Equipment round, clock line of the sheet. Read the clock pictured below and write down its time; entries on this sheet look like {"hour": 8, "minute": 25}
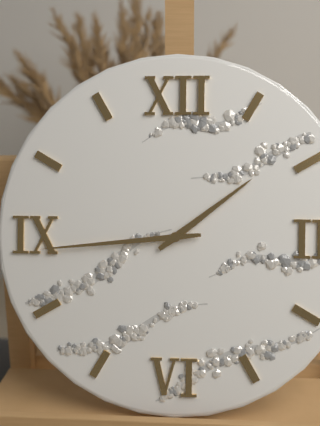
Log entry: {"hour": 1, "minute": 44}
